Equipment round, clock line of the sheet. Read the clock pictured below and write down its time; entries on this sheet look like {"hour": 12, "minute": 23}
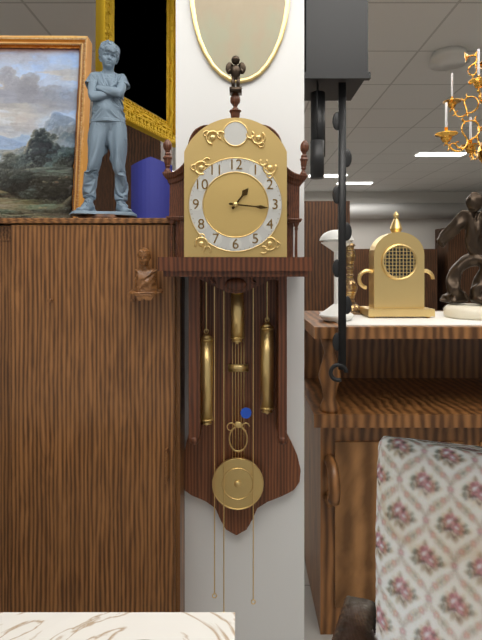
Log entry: {"hour": 1, "minute": 16}
